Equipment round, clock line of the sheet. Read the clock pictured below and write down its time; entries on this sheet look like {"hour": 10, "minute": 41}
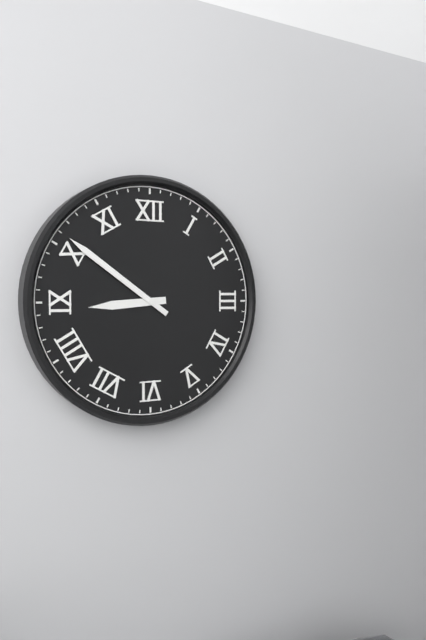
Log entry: {"hour": 8, "minute": 51}
